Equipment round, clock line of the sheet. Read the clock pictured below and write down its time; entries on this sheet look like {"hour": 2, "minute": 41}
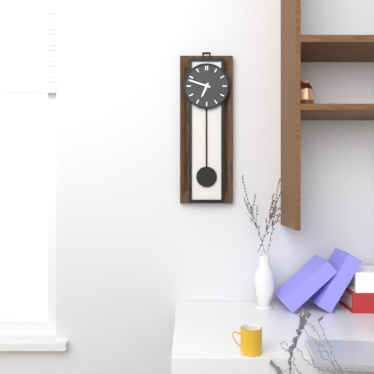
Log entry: {"hour": 6, "minute": 48}
